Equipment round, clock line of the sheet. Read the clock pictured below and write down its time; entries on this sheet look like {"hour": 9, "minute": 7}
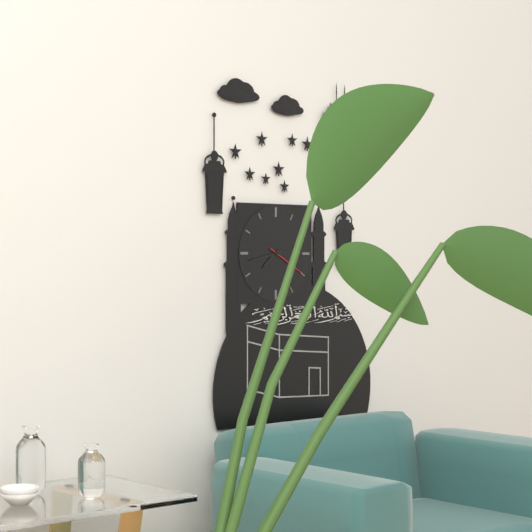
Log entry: {"hour": 7, "minute": 43}
